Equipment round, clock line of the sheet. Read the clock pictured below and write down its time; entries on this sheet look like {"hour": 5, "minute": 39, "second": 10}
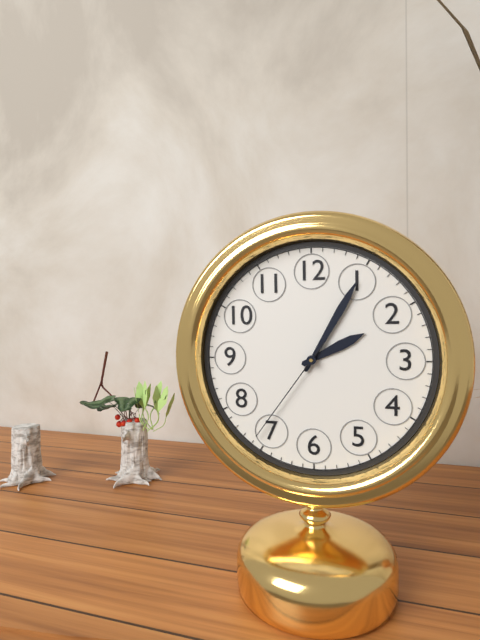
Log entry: {"hour": 2, "minute": 5, "second": 36}
